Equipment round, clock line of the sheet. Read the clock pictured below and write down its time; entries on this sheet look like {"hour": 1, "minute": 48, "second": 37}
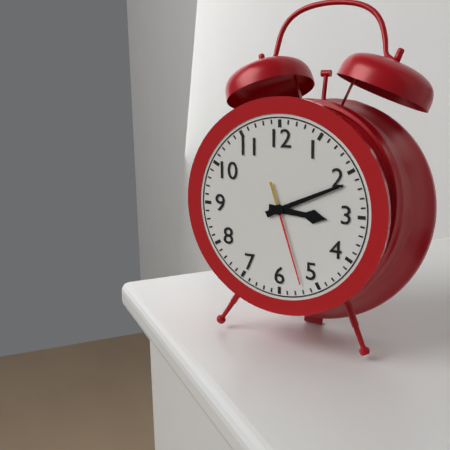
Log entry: {"hour": 3, "minute": 11, "second": 27}
